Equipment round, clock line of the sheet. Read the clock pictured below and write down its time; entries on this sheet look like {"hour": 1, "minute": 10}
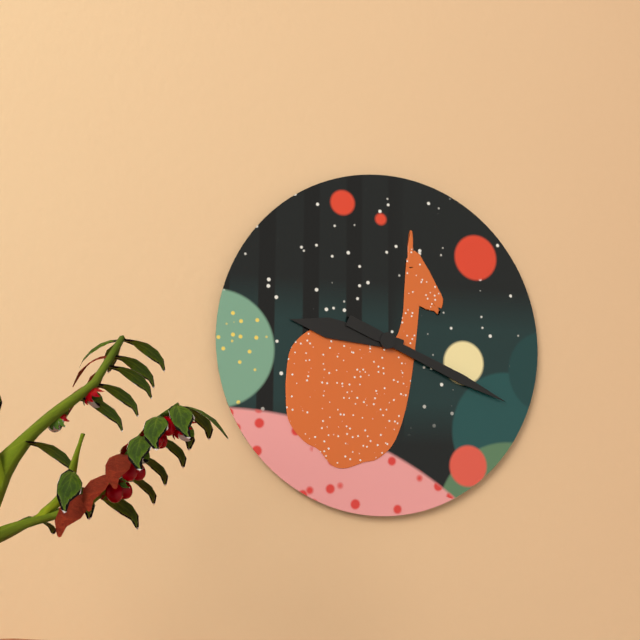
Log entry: {"hour": 9, "minute": 19}
